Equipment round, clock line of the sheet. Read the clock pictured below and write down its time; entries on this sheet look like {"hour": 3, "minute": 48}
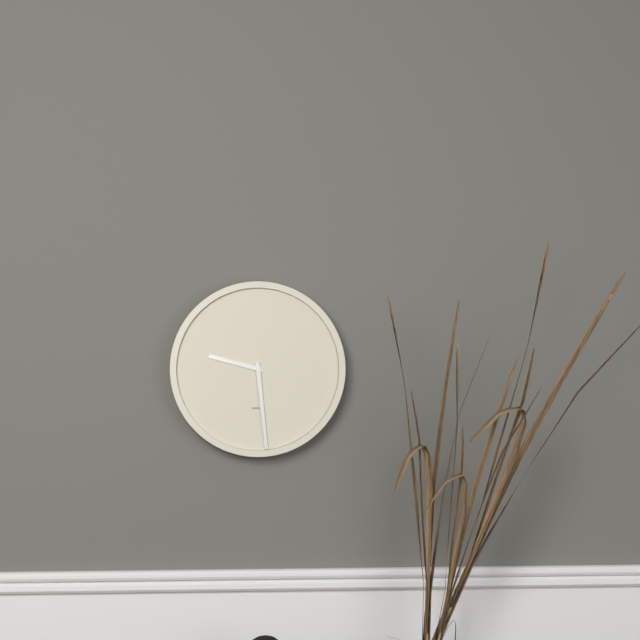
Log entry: {"hour": 9, "minute": 29}
